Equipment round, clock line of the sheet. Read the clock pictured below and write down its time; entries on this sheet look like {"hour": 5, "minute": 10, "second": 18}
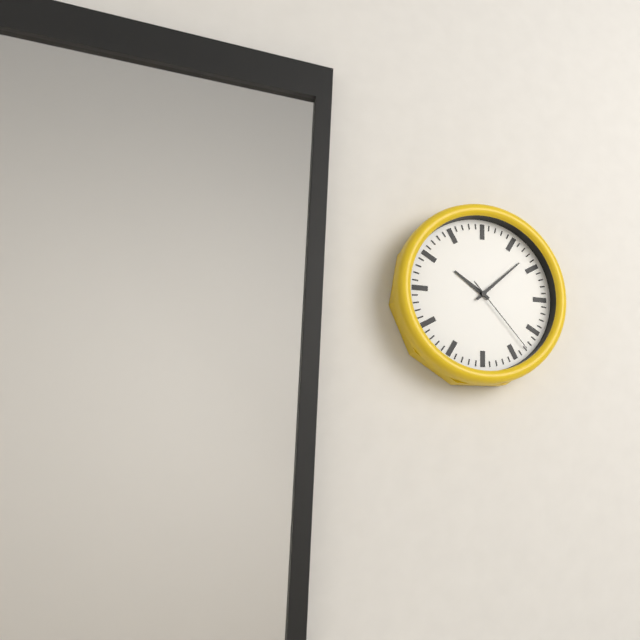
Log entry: {"hour": 10, "minute": 8, "second": 23}
